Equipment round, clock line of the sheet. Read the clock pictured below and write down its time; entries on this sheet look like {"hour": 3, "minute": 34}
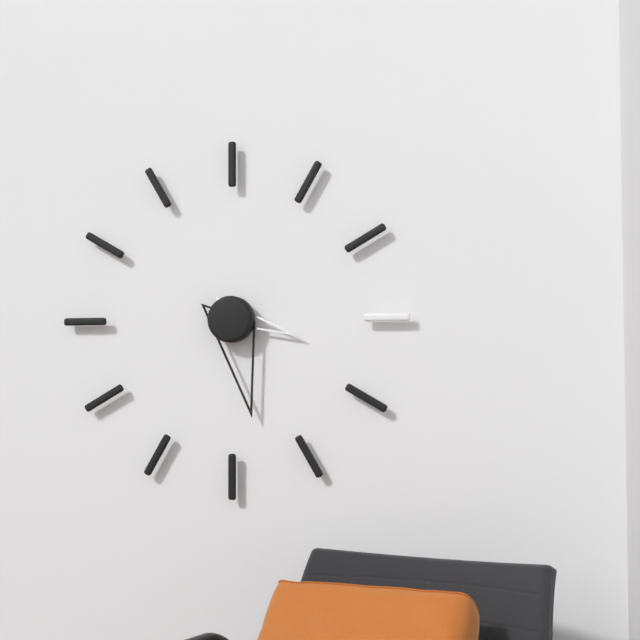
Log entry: {"hour": 3, "minute": 28}
